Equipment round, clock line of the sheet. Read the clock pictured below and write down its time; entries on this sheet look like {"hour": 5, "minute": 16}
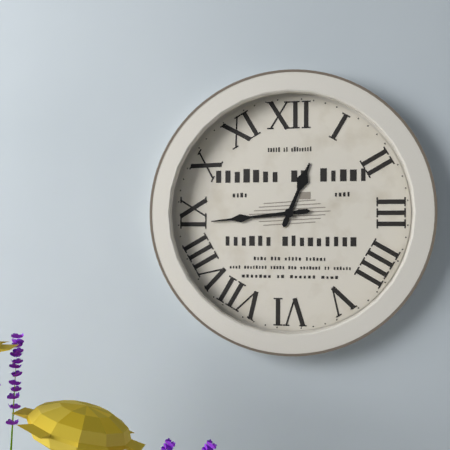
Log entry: {"hour": 12, "minute": 44}
